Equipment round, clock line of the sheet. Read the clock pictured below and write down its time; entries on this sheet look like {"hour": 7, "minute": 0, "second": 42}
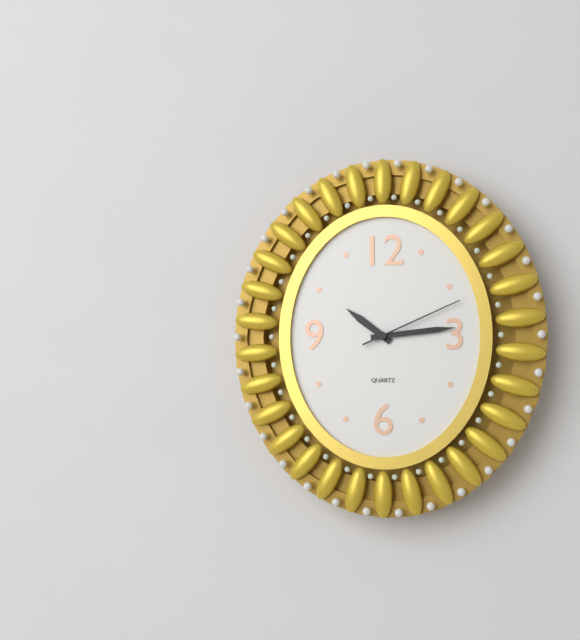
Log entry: {"hour": 10, "minute": 14, "second": 11}
